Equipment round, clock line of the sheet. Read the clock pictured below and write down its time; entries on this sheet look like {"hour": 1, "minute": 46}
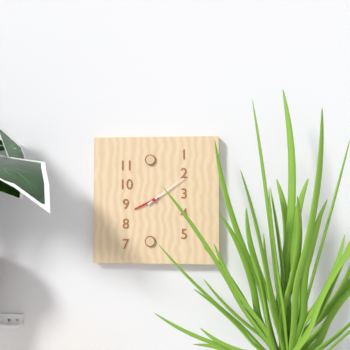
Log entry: {"hour": 8, "minute": 9}
